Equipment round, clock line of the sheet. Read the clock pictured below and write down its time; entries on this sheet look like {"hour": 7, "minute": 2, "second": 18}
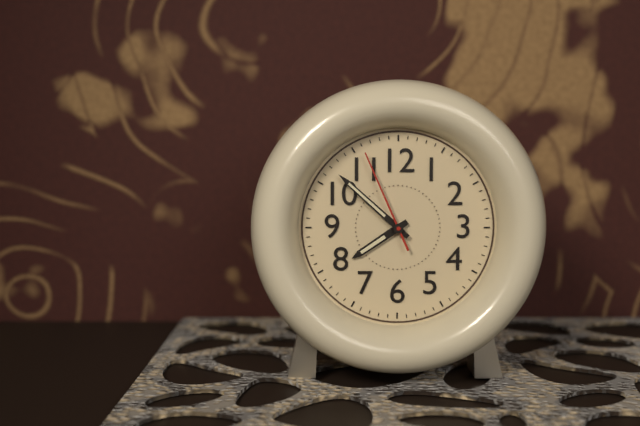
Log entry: {"hour": 7, "minute": 52, "second": 56}
